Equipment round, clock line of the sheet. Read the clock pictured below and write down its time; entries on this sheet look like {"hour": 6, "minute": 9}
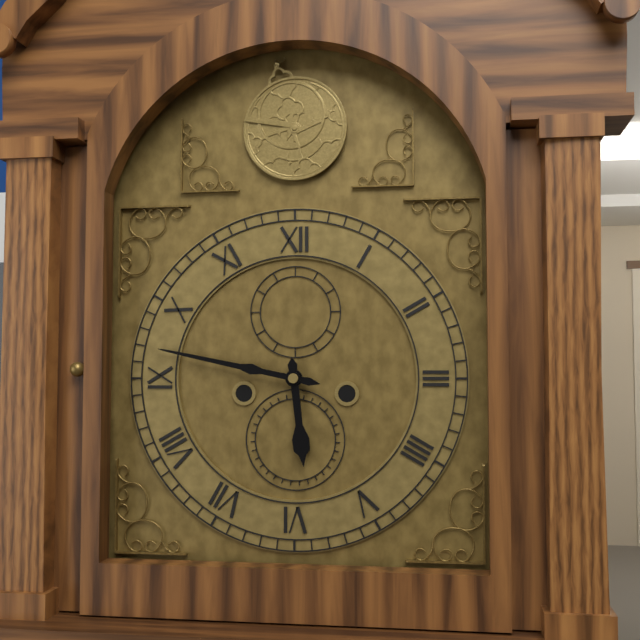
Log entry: {"hour": 5, "minute": 47}
